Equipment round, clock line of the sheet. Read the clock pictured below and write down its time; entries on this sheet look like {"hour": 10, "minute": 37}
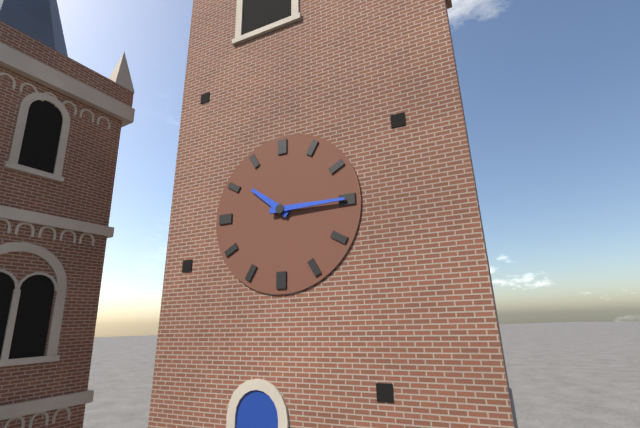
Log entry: {"hour": 10, "minute": 15}
